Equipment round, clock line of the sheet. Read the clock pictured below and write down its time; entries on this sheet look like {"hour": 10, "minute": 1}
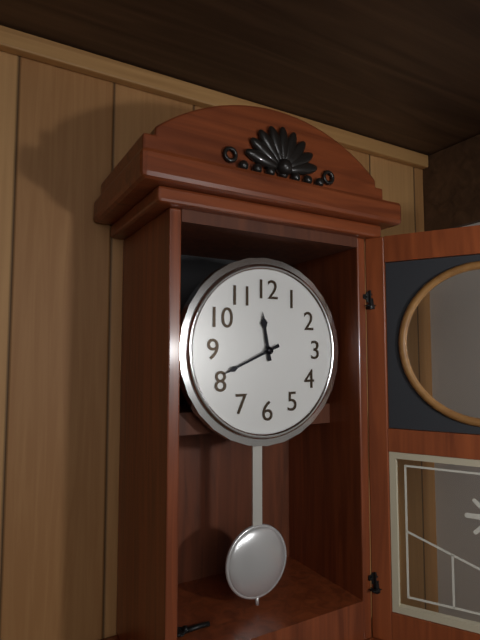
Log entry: {"hour": 11, "minute": 41}
